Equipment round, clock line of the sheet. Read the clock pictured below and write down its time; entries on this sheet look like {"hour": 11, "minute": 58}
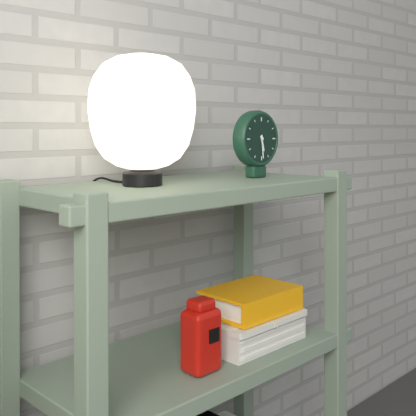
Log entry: {"hour": 5, "minute": 29}
